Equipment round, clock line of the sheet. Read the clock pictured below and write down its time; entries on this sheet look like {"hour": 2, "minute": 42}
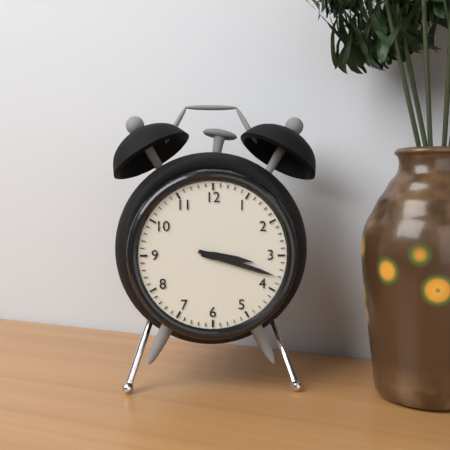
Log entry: {"hour": 3, "minute": 18}
